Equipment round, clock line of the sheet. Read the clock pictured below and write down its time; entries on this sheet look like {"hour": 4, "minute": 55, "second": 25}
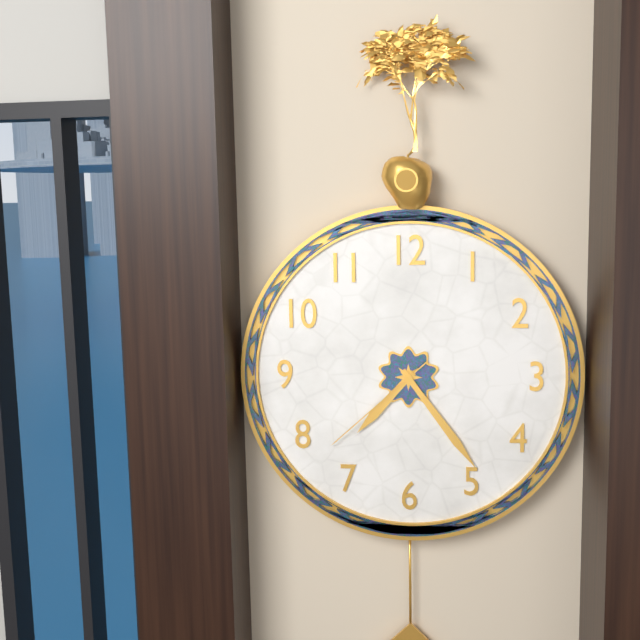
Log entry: {"hour": 7, "minute": 24, "second": 38}
